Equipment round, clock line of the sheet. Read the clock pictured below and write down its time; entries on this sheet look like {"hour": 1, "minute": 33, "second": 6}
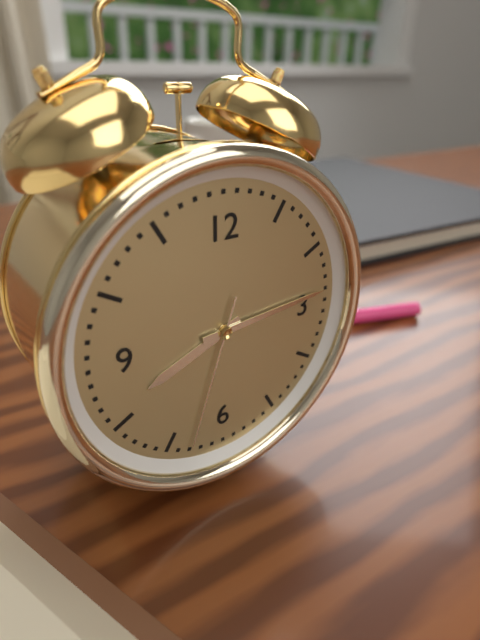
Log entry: {"hour": 8, "minute": 14, "second": 33}
